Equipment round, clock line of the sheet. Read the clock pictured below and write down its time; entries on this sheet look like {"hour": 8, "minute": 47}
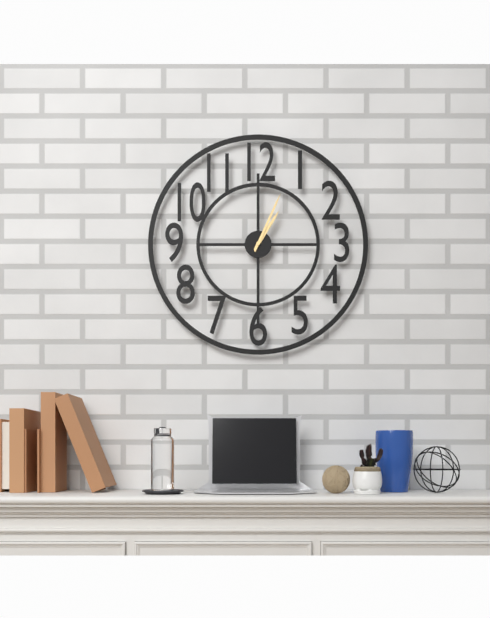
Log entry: {"hour": 1, "minute": 4}
